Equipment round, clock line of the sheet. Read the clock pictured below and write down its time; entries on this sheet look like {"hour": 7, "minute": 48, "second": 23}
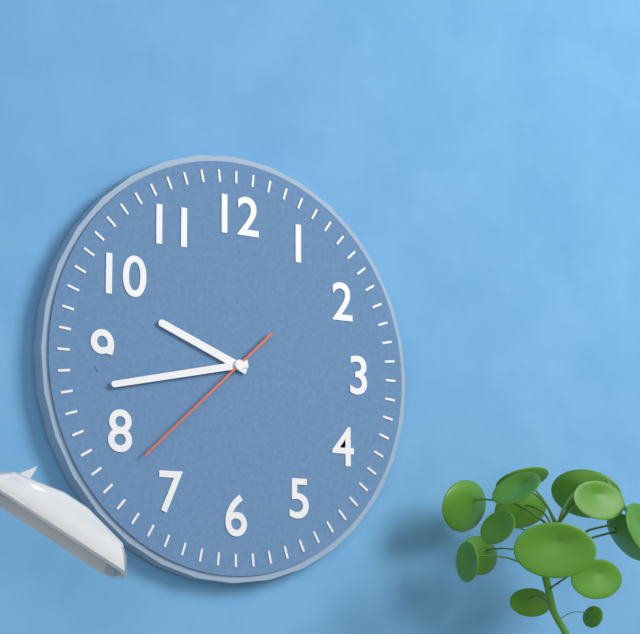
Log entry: {"hour": 9, "minute": 43, "second": 38}
